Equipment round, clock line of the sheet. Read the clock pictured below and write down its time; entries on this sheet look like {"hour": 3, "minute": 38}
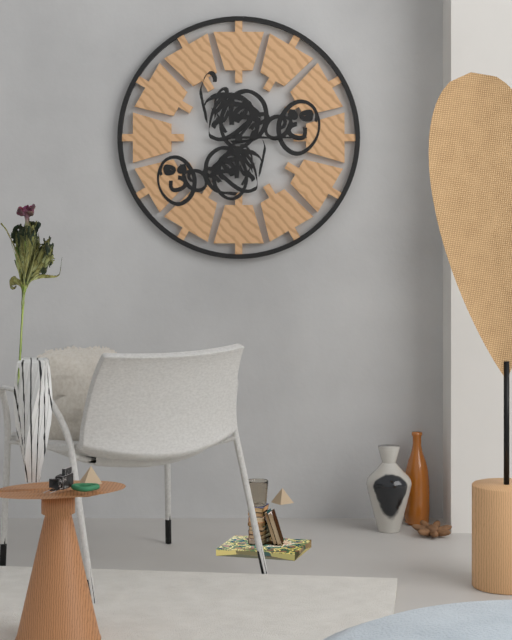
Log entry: {"hour": 7, "minute": 15}
